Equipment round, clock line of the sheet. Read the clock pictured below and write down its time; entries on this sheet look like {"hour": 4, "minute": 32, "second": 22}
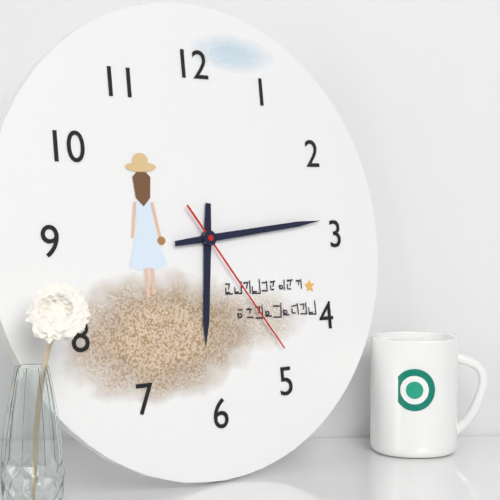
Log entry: {"hour": 6, "minute": 14, "second": 24}
